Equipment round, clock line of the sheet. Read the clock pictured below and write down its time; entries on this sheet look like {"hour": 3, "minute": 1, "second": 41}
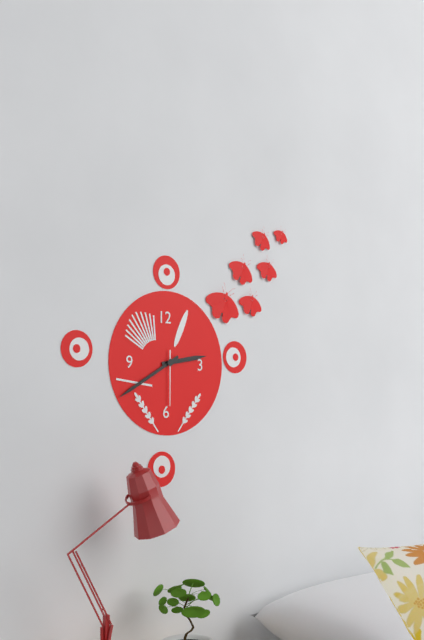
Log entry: {"hour": 2, "minute": 40, "second": 30}
